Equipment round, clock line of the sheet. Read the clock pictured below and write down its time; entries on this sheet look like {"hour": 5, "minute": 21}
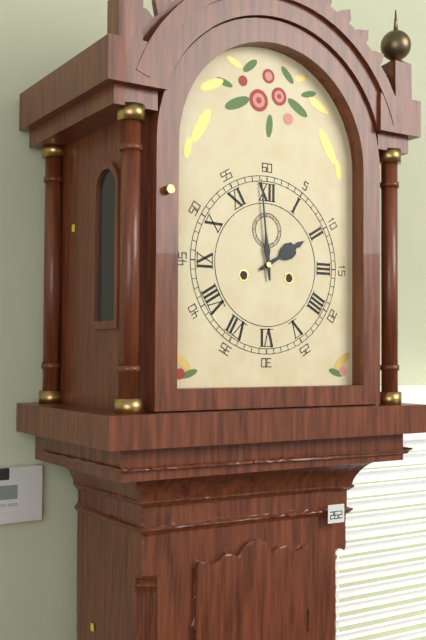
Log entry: {"hour": 1, "minute": 59}
